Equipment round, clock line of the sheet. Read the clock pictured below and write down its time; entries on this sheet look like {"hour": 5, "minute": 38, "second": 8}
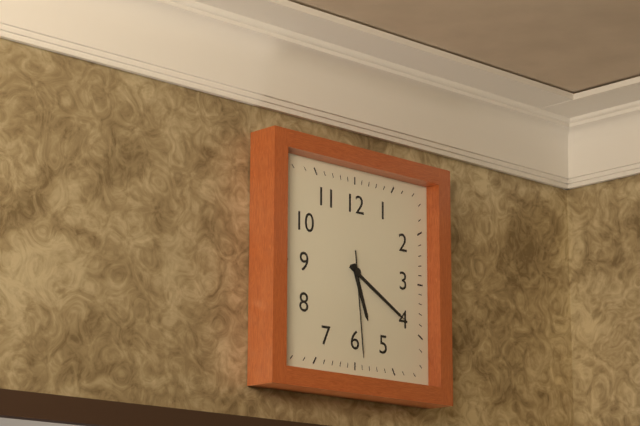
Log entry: {"hour": 5, "minute": 20, "second": 29}
